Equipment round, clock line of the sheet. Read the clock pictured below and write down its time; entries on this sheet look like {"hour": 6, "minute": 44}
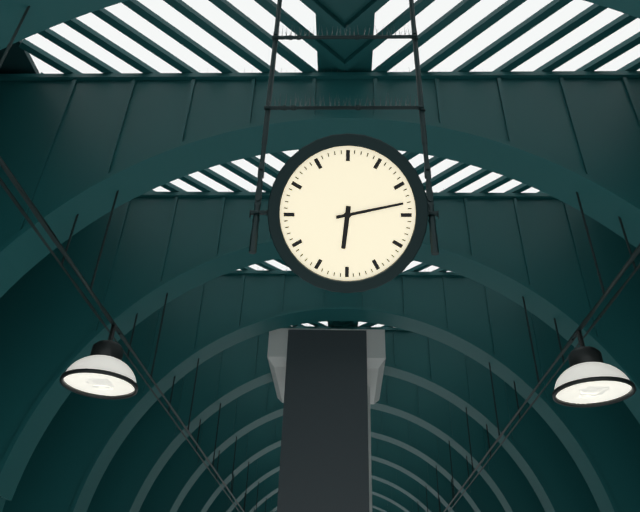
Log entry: {"hour": 6, "minute": 13}
